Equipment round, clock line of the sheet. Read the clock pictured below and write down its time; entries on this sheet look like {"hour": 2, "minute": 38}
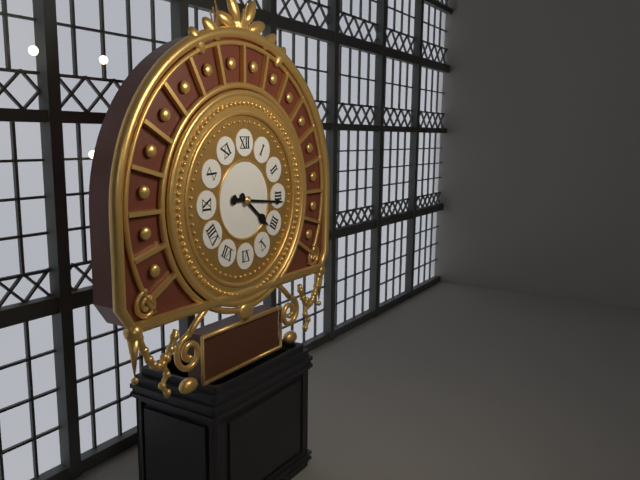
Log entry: {"hour": 4, "minute": 16}
